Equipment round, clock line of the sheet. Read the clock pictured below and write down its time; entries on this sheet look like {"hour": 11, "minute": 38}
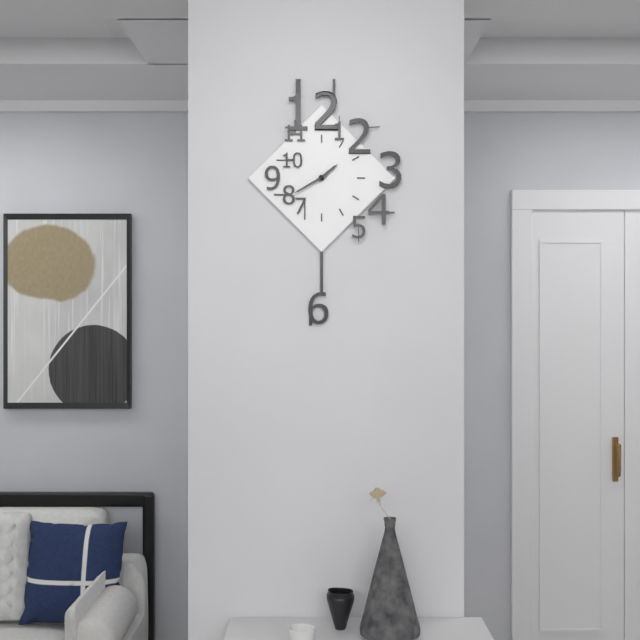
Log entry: {"hour": 1, "minute": 40}
